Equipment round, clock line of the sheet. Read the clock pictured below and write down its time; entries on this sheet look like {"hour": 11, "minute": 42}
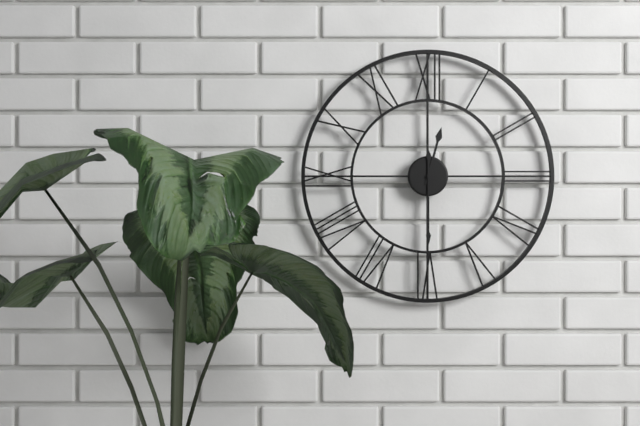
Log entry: {"hour": 12, "minute": 30}
